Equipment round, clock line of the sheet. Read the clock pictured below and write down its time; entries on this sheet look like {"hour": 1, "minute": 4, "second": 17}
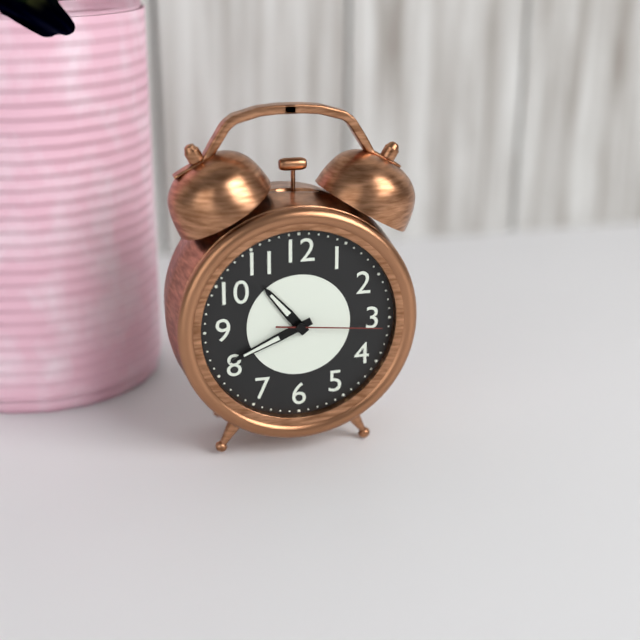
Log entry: {"hour": 10, "minute": 41, "second": 16}
